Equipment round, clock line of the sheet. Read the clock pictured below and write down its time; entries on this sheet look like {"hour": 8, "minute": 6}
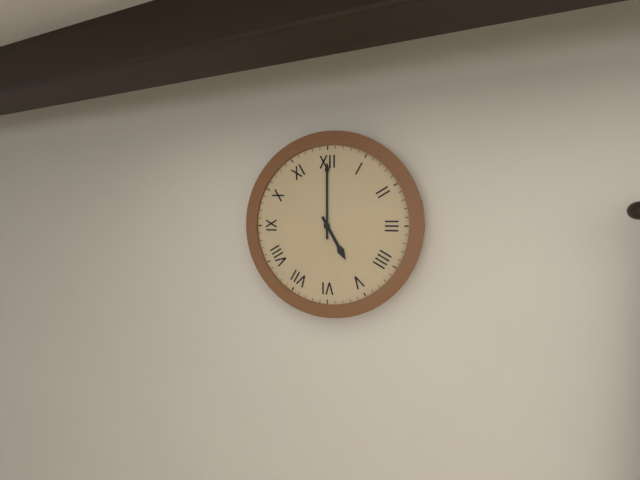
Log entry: {"hour": 5, "minute": 0}
